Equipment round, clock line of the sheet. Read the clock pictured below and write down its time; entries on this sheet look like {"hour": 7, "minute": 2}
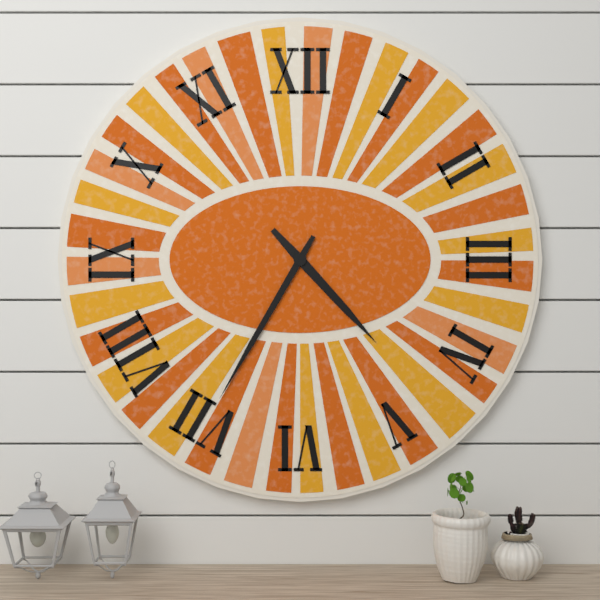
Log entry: {"hour": 4, "minute": 35}
